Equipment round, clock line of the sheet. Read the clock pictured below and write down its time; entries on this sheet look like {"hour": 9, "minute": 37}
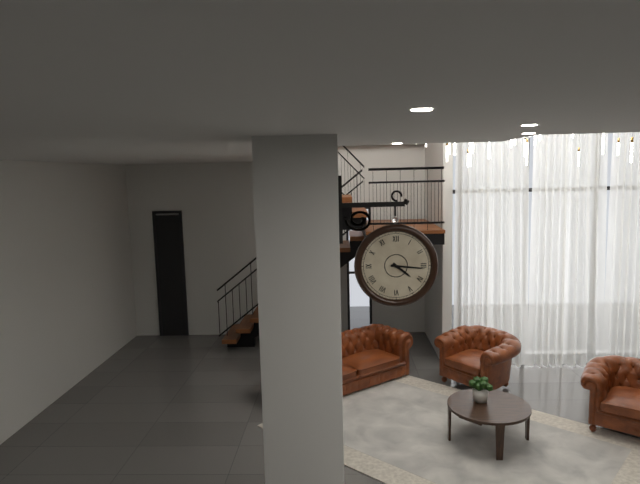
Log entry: {"hour": 4, "minute": 16}
